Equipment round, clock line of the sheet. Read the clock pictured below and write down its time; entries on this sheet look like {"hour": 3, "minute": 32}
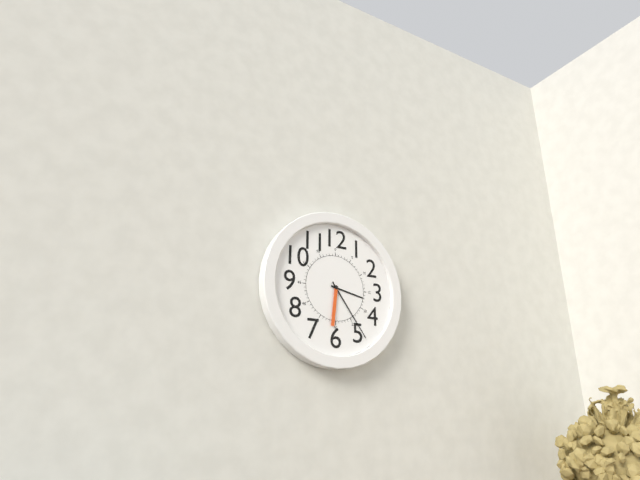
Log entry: {"hour": 3, "minute": 24}
